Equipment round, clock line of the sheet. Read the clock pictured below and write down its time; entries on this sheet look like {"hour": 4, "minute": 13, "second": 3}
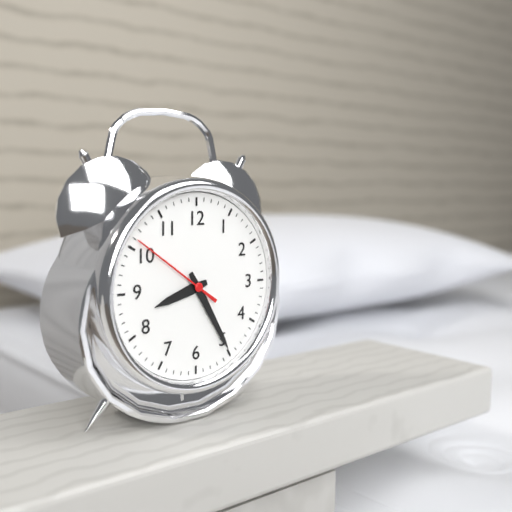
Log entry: {"hour": 8, "minute": 25, "second": 51}
